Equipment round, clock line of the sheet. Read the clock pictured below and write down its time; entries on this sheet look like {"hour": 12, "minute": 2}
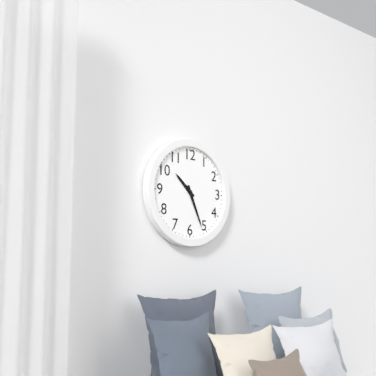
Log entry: {"hour": 10, "minute": 26}
